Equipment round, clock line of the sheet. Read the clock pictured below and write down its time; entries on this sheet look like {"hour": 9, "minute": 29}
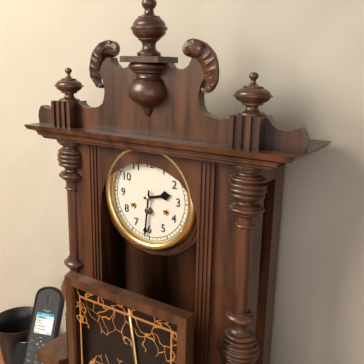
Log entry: {"hour": 2, "minute": 31}
